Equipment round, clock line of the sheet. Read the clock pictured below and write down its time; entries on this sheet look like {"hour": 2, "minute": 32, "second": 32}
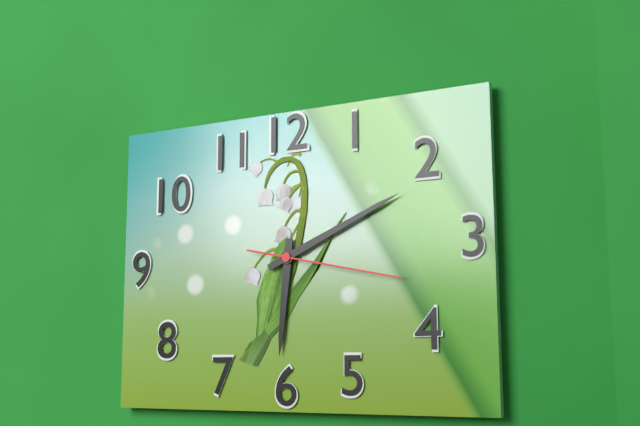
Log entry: {"hour": 6, "minute": 11, "second": 17}
